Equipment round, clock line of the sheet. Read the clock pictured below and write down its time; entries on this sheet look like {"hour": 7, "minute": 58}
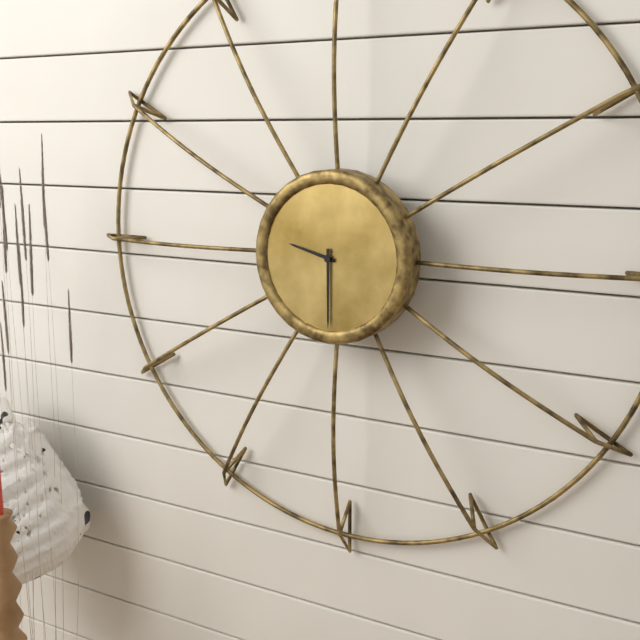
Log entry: {"hour": 9, "minute": 30}
